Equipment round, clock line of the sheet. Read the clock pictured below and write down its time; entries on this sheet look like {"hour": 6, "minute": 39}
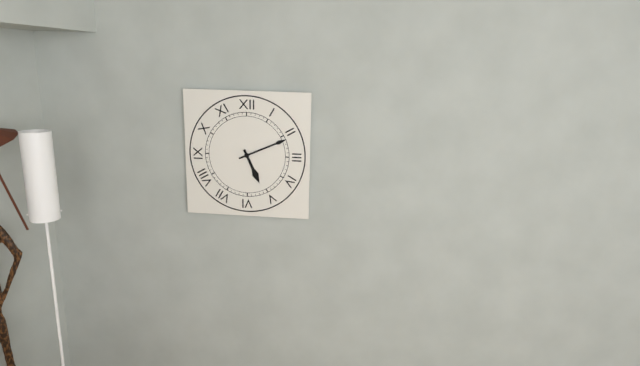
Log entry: {"hour": 5, "minute": 11}
